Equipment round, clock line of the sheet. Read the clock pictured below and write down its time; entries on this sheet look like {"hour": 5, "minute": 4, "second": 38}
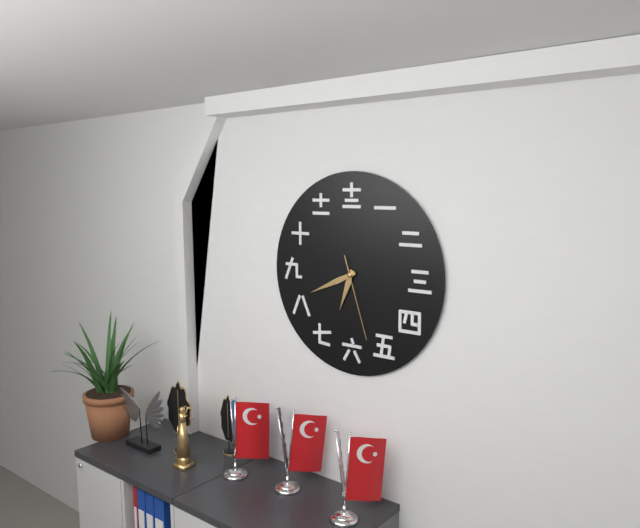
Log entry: {"hour": 6, "minute": 41, "second": 27}
